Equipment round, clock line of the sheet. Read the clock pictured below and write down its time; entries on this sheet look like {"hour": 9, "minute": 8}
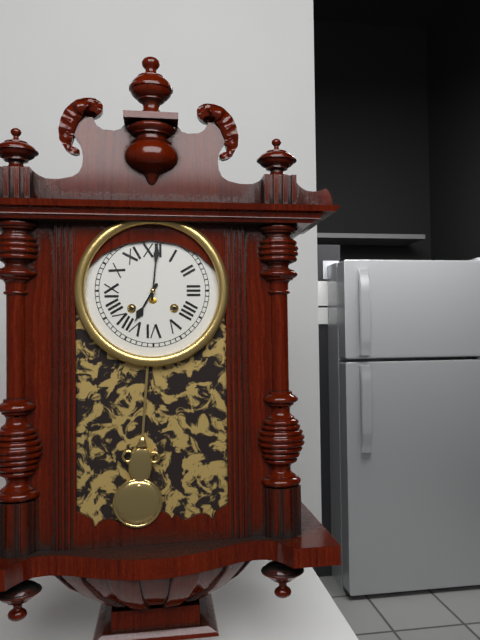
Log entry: {"hour": 7, "minute": 1}
